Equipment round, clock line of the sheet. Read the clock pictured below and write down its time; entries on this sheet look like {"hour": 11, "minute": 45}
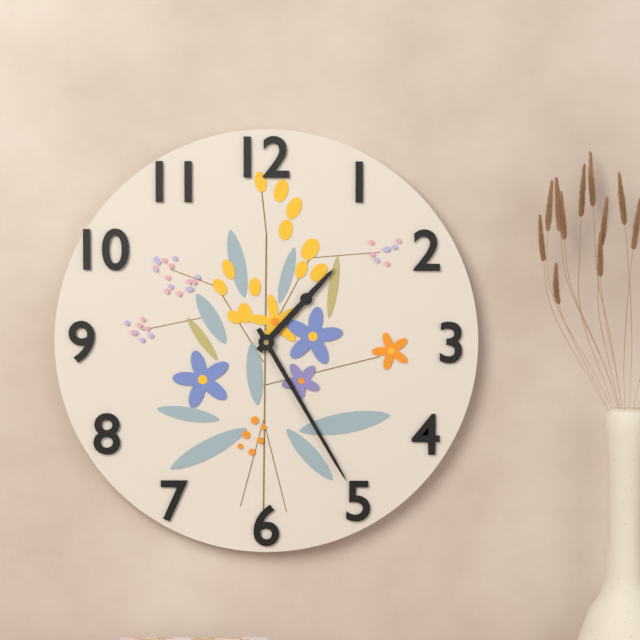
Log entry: {"hour": 1, "minute": 25}
